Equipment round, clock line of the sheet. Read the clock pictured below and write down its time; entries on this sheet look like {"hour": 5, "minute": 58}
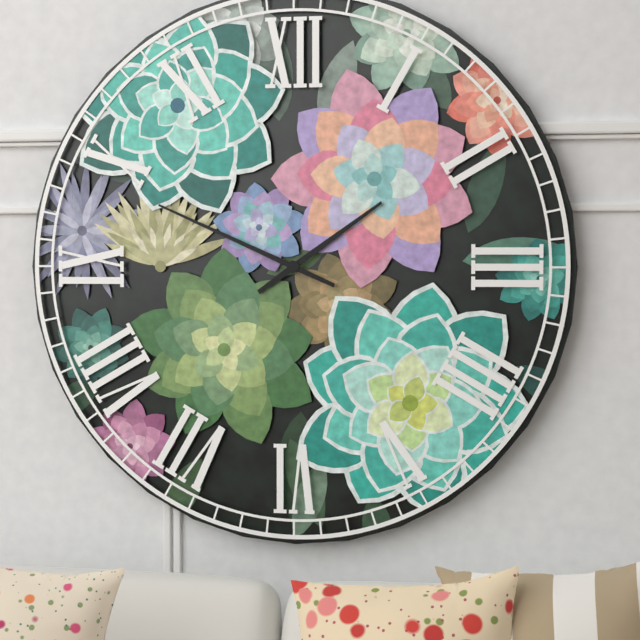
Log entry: {"hour": 1, "minute": 49}
